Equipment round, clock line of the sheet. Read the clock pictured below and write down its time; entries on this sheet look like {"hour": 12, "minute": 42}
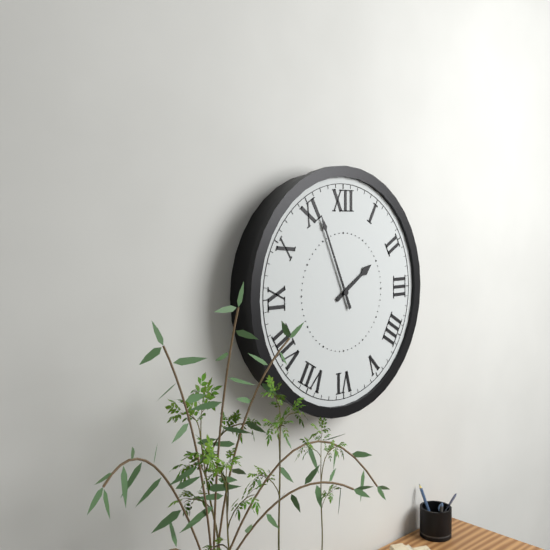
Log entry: {"hour": 1, "minute": 56}
